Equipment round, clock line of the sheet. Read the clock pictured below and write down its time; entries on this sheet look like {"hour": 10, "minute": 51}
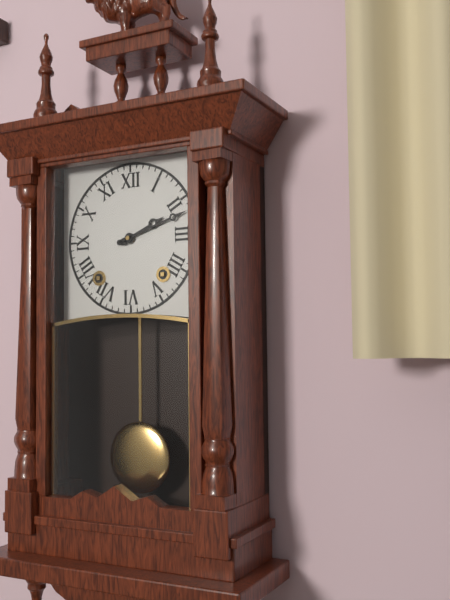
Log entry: {"hour": 2, "minute": 12}
